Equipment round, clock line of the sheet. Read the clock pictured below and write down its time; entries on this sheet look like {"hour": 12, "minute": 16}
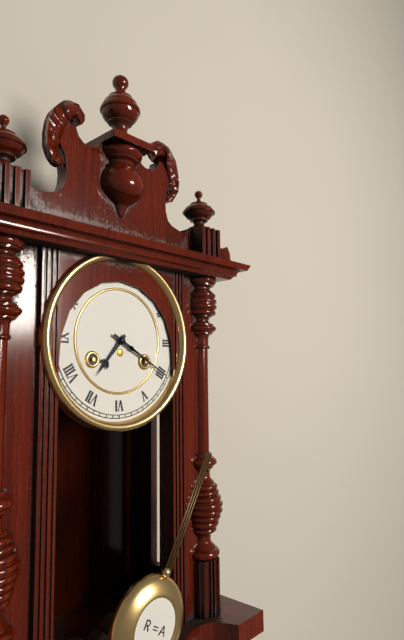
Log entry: {"hour": 7, "minute": 20}
